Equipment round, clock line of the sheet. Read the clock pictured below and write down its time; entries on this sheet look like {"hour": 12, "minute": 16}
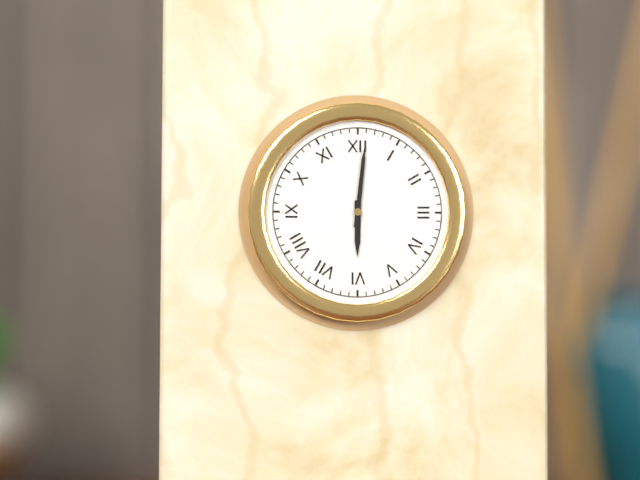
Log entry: {"hour": 6, "minute": 1}
